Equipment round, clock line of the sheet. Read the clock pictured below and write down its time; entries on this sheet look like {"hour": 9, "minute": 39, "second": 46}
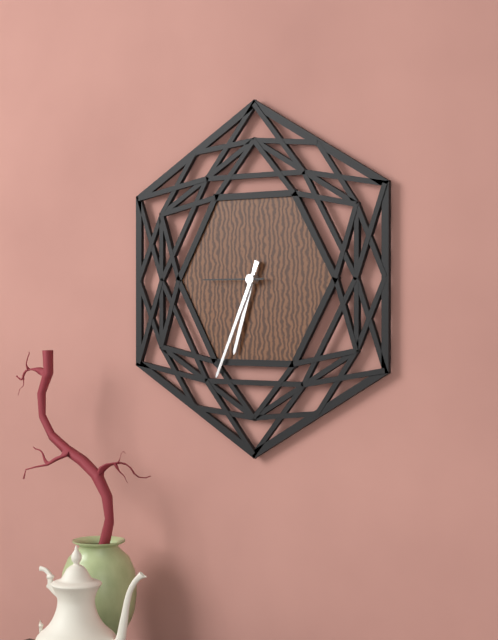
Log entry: {"hour": 6, "minute": 34, "second": 45}
